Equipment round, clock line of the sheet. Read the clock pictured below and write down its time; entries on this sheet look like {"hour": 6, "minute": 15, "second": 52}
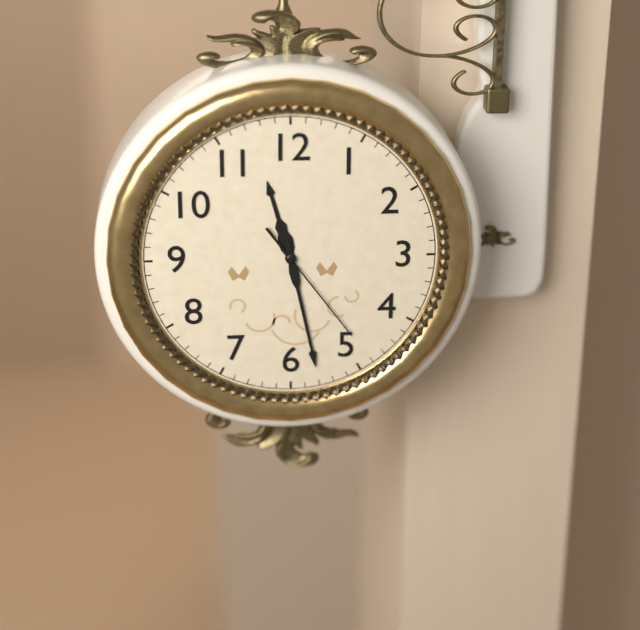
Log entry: {"hour": 11, "minute": 28, "second": 24}
